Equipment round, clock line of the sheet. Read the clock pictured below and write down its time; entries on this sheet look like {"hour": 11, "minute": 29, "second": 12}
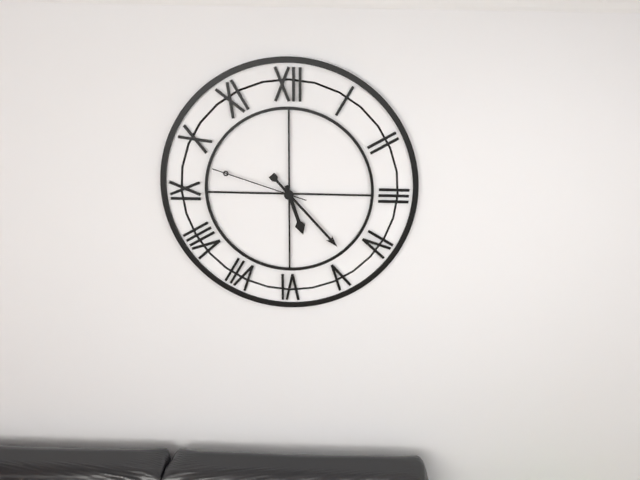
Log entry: {"hour": 5, "minute": 23, "second": 48}
